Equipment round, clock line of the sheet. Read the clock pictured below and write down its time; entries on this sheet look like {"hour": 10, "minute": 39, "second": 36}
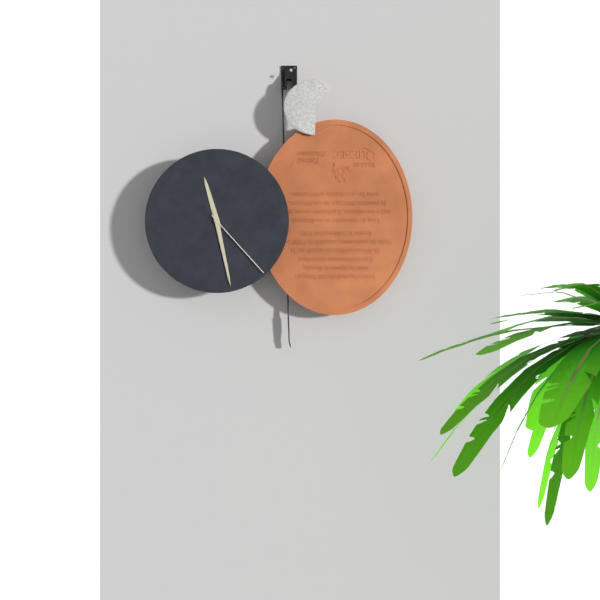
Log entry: {"hour": 11, "minute": 28, "second": 23}
